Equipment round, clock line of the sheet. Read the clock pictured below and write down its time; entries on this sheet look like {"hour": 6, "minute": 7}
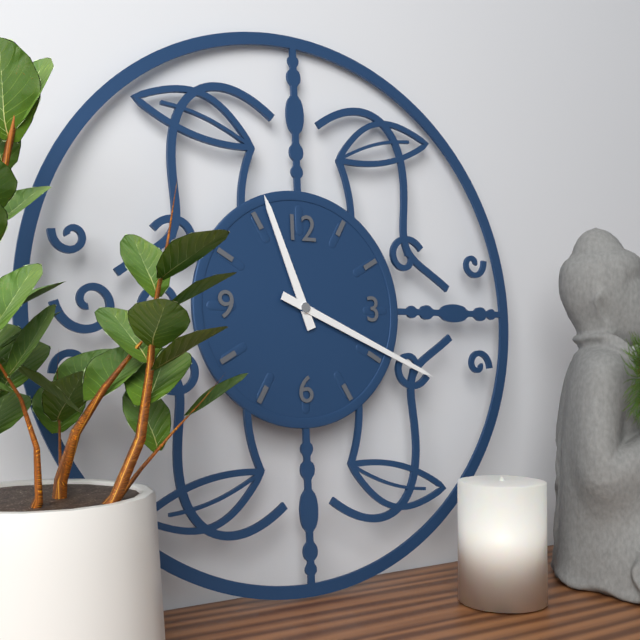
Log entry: {"hour": 11, "minute": 19}
